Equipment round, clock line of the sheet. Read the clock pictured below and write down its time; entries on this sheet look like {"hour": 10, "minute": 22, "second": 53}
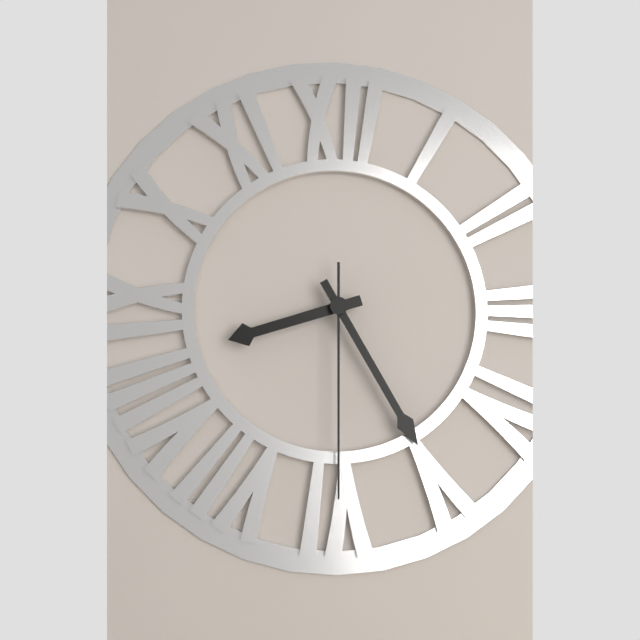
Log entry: {"hour": 8, "minute": 25, "second": 30}
